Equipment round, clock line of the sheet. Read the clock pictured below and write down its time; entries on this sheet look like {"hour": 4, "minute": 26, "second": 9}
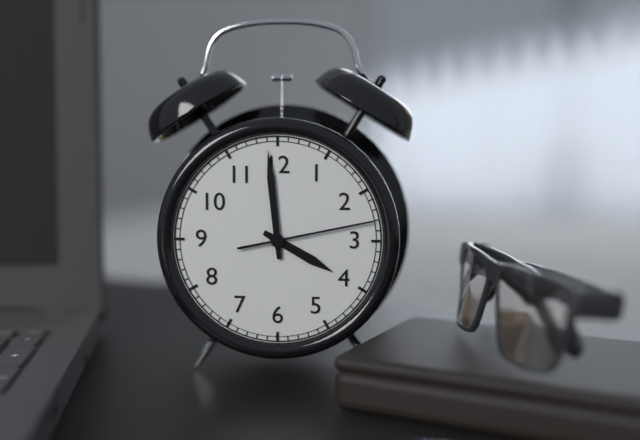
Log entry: {"hour": 3, "minute": 59, "second": 13}
